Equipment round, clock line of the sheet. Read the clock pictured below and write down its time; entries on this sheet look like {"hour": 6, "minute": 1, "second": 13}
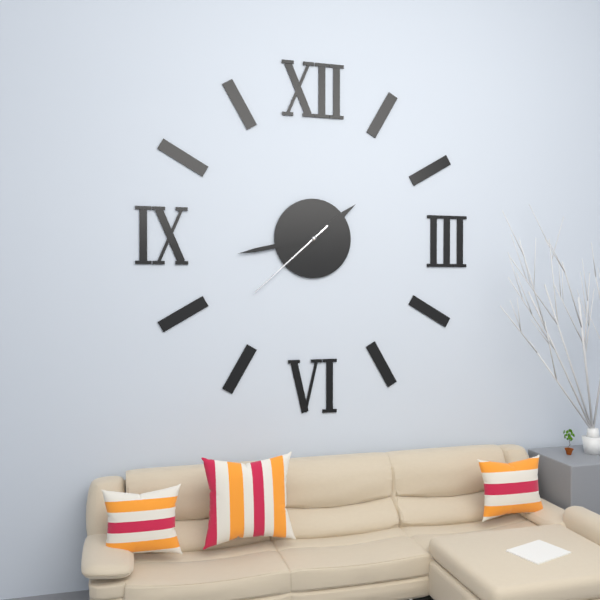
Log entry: {"hour": 1, "minute": 43, "second": 38}
